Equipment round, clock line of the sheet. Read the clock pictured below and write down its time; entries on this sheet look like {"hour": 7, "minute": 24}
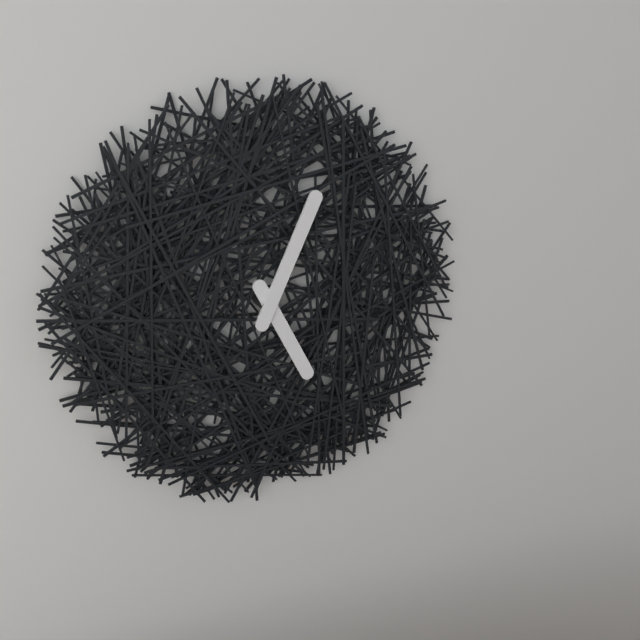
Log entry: {"hour": 5, "minute": 4}
